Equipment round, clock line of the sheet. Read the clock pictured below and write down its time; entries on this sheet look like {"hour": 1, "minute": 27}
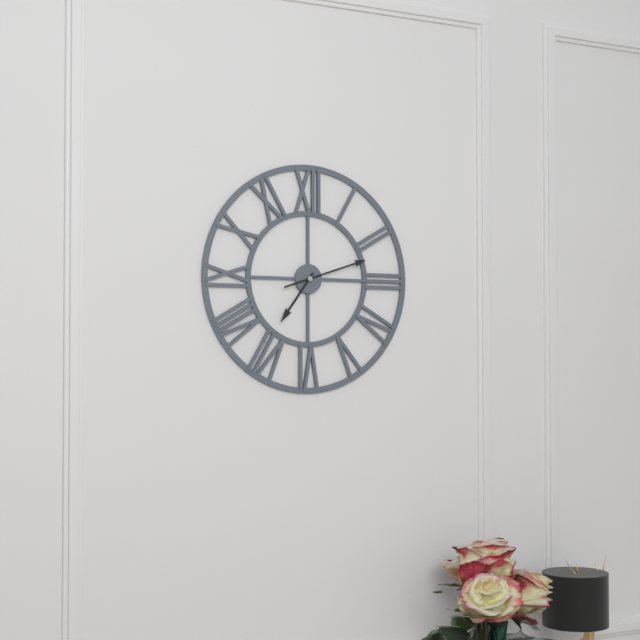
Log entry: {"hour": 7, "minute": 12}
